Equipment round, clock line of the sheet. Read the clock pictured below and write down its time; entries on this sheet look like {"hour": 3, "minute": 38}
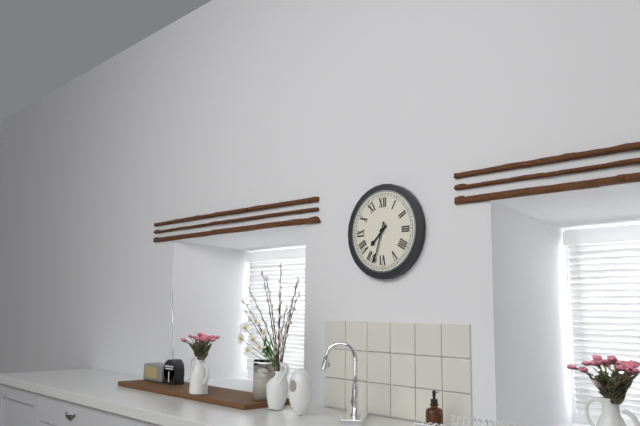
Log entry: {"hour": 7, "minute": 33}
